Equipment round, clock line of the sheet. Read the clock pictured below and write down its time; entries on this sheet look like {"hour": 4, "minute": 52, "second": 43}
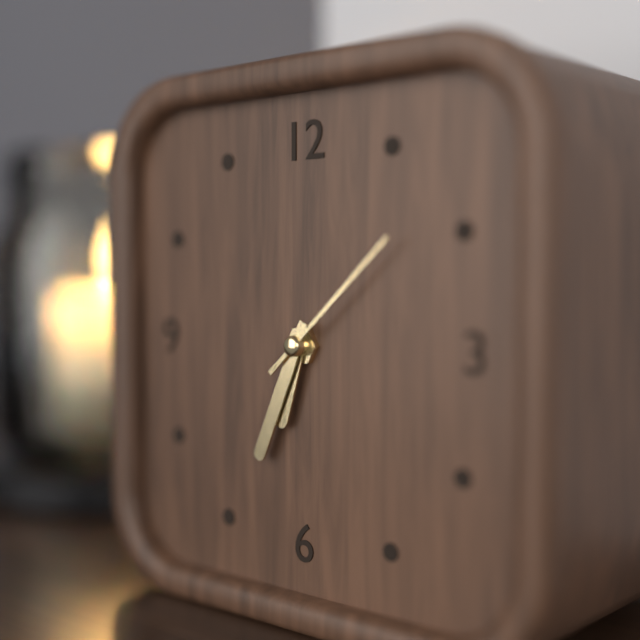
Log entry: {"hour": 6, "minute": 34, "second": 8}
